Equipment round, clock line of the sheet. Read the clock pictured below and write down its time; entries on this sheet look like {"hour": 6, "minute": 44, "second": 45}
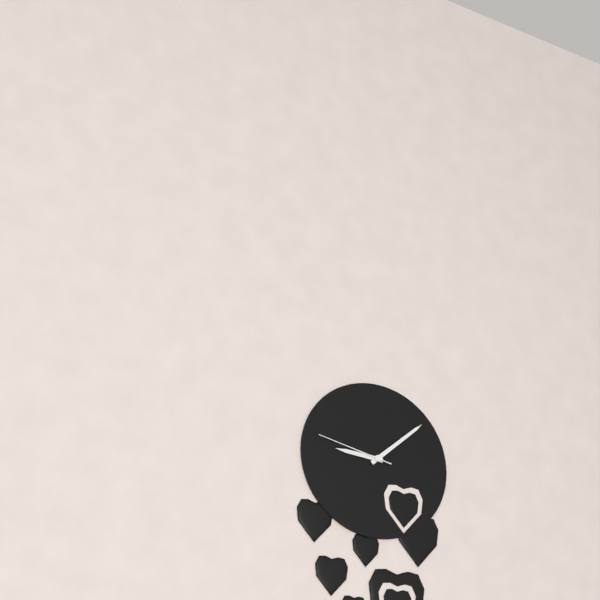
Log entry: {"hour": 9, "minute": 8, "second": 47}
